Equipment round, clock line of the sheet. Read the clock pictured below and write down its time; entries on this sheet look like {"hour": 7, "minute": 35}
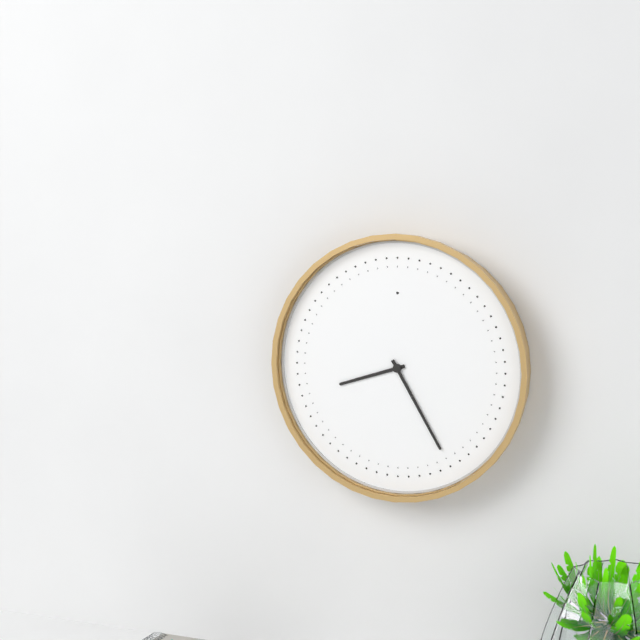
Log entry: {"hour": 8, "minute": 25}
